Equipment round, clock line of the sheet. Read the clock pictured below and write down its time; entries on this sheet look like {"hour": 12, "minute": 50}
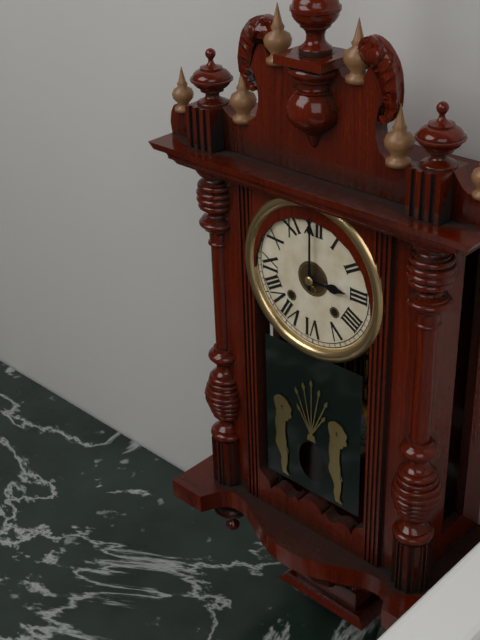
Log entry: {"hour": 3, "minute": 0}
